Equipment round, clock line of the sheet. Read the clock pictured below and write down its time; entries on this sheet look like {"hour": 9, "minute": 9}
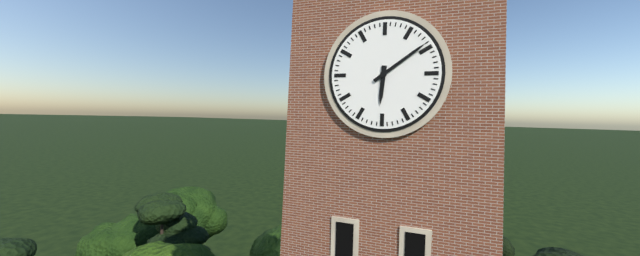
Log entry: {"hour": 6, "minute": 9}
